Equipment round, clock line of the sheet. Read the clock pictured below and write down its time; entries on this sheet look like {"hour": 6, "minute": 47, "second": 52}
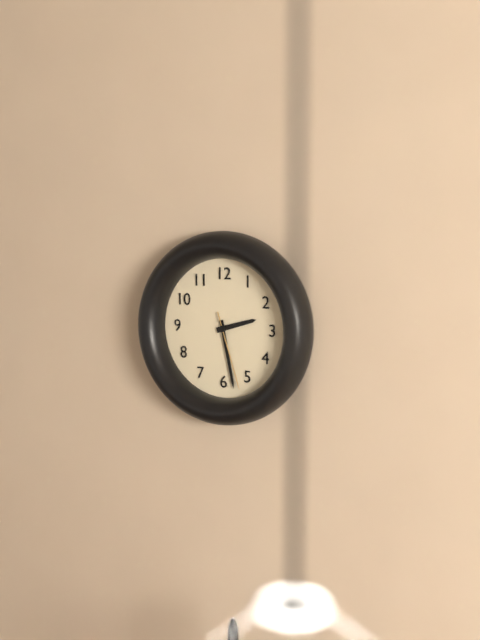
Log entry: {"hour": 2, "minute": 28, "second": 27}
